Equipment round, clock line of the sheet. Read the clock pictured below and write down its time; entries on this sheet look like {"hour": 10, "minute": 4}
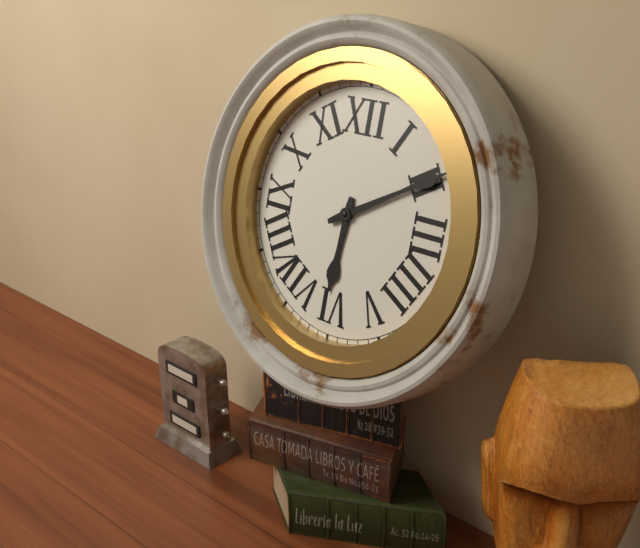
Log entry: {"hour": 6, "minute": 10}
